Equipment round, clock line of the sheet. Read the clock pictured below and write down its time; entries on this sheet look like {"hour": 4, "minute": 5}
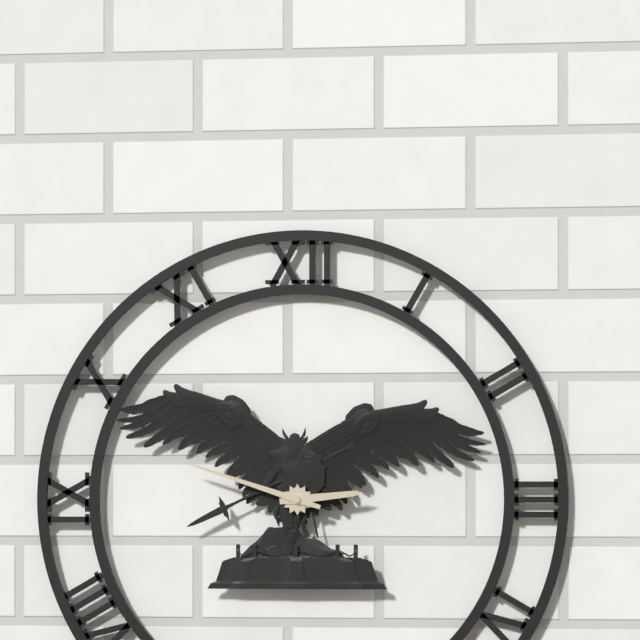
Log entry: {"hour": 2, "minute": 48}
